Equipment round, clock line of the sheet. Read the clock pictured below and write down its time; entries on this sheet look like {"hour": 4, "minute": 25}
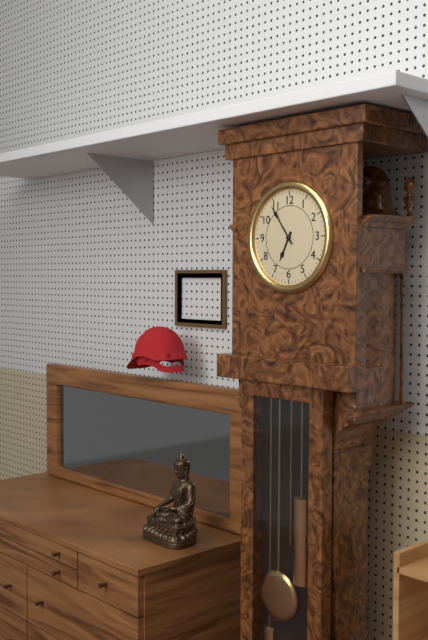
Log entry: {"hour": 6, "minute": 54}
